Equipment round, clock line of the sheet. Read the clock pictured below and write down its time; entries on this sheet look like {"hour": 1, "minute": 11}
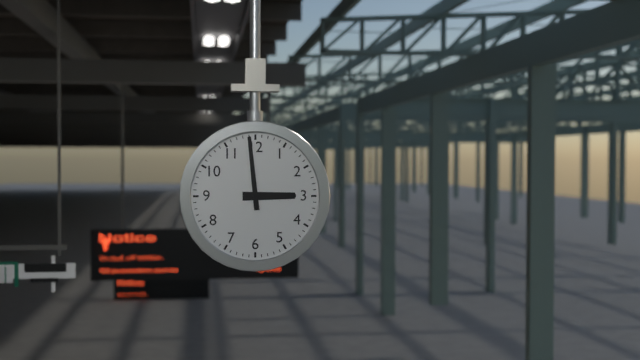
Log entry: {"hour": 2, "minute": 59}
